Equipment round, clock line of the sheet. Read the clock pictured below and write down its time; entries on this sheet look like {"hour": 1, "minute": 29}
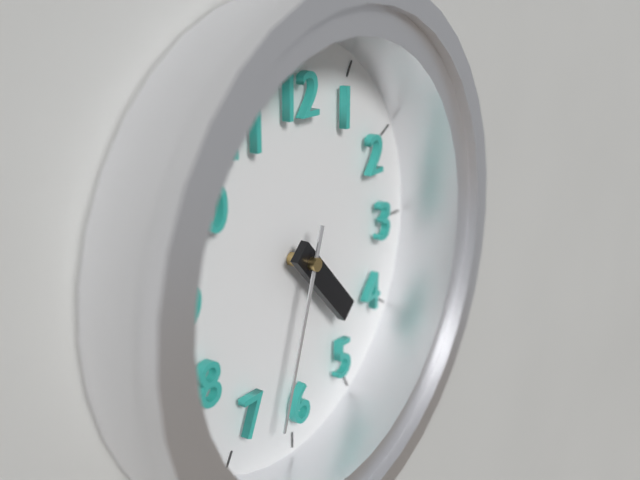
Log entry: {"hour": 4, "minute": 33}
